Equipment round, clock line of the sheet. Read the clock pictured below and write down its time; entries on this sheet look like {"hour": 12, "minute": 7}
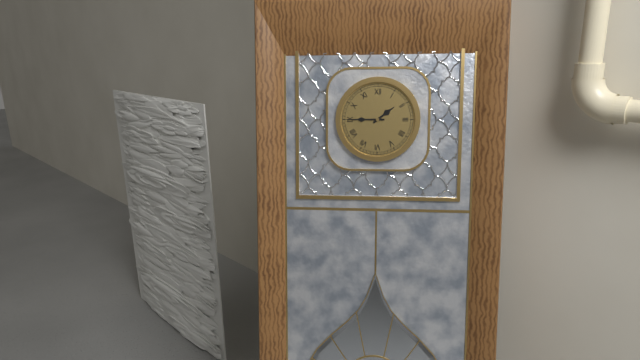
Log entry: {"hour": 1, "minute": 45}
